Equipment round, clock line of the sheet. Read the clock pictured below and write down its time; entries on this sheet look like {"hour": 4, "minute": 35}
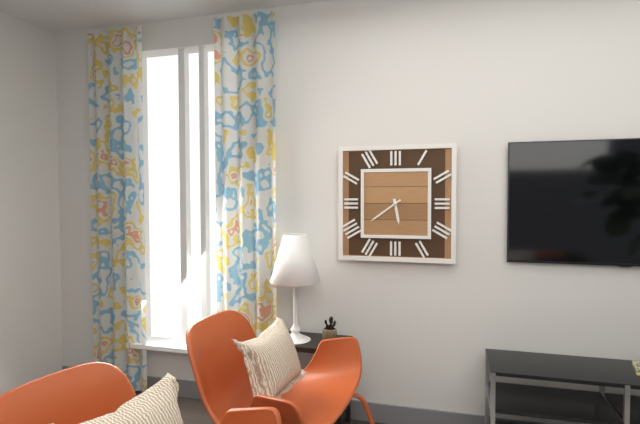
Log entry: {"hour": 5, "minute": 39}
